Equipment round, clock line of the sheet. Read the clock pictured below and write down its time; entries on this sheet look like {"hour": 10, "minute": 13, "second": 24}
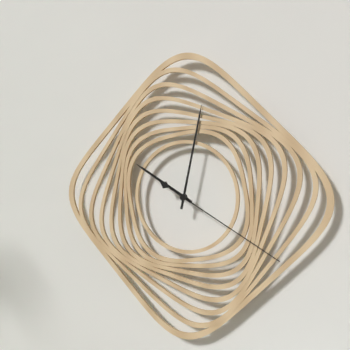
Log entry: {"hour": 10, "minute": 2, "second": 20}
